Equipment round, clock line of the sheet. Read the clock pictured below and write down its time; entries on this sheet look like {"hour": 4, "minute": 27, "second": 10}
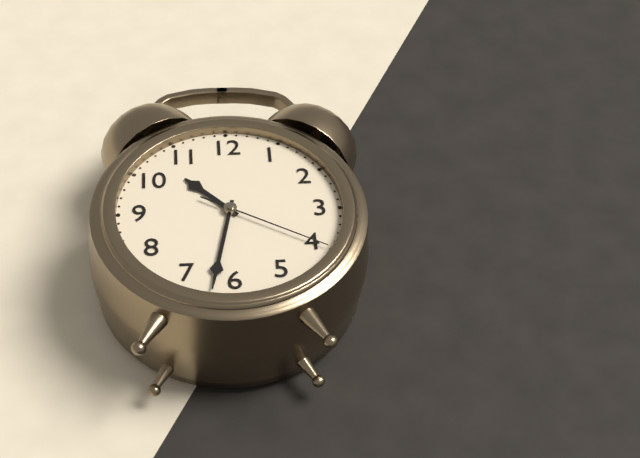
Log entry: {"hour": 10, "minute": 32, "second": 20}
